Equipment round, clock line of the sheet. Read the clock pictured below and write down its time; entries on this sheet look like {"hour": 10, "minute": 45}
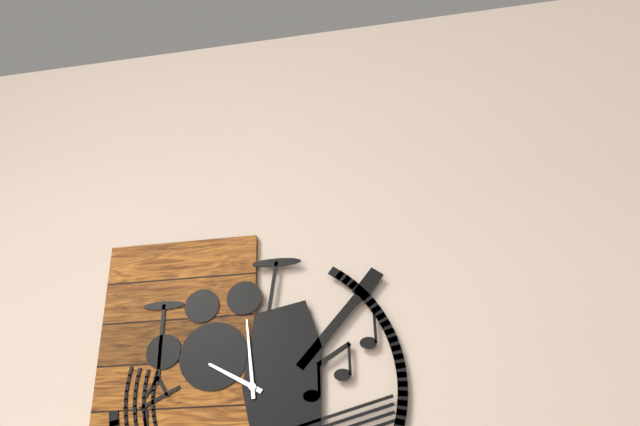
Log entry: {"hour": 9, "minute": 59}
